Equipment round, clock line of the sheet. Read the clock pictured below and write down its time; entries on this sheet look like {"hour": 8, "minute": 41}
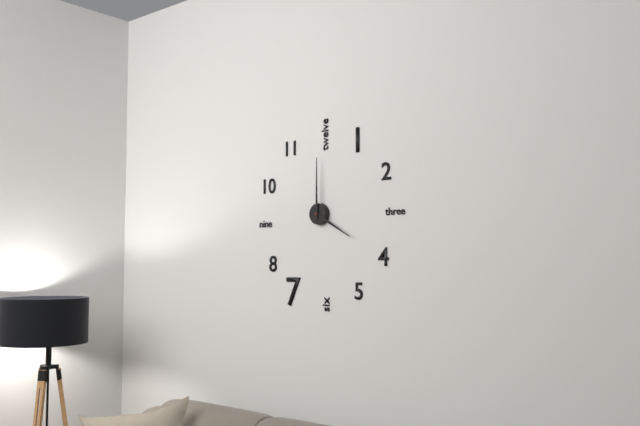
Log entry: {"hour": 4, "minute": 0}
